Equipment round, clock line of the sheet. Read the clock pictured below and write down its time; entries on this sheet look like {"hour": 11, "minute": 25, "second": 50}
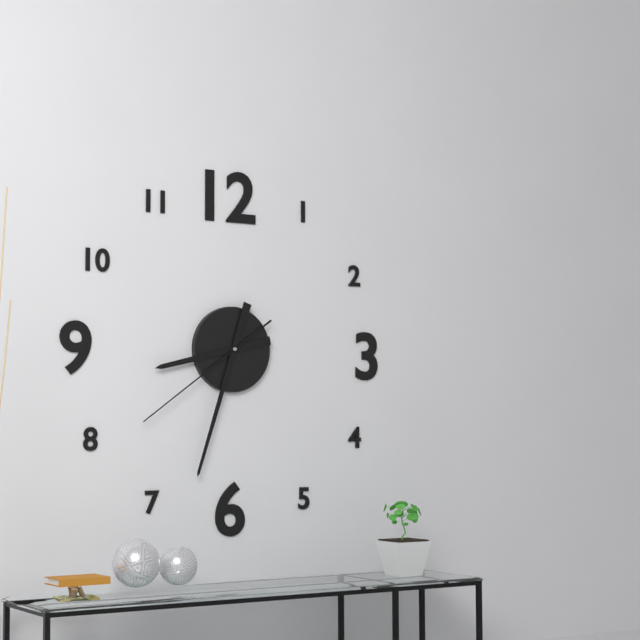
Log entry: {"hour": 8, "minute": 33, "second": 39}
